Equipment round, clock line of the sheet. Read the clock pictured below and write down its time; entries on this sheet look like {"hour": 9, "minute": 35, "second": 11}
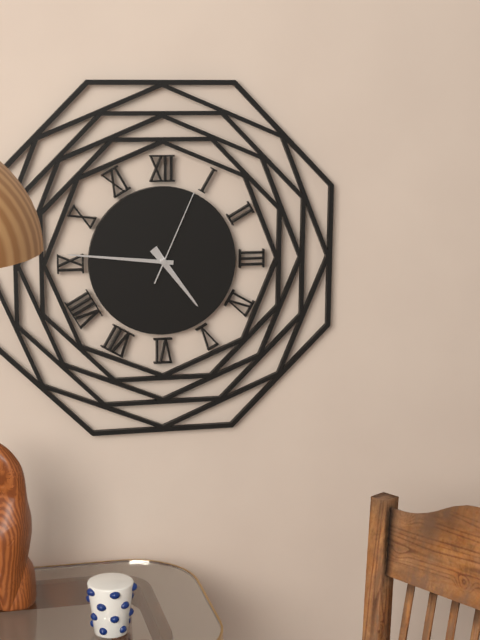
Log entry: {"hour": 4, "minute": 46, "second": 4}
